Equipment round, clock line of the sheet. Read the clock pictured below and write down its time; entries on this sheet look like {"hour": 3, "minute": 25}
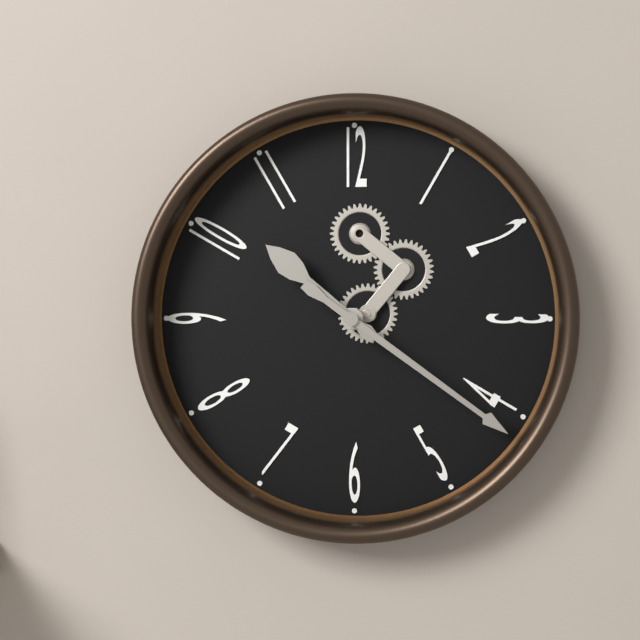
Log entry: {"hour": 10, "minute": 21}
